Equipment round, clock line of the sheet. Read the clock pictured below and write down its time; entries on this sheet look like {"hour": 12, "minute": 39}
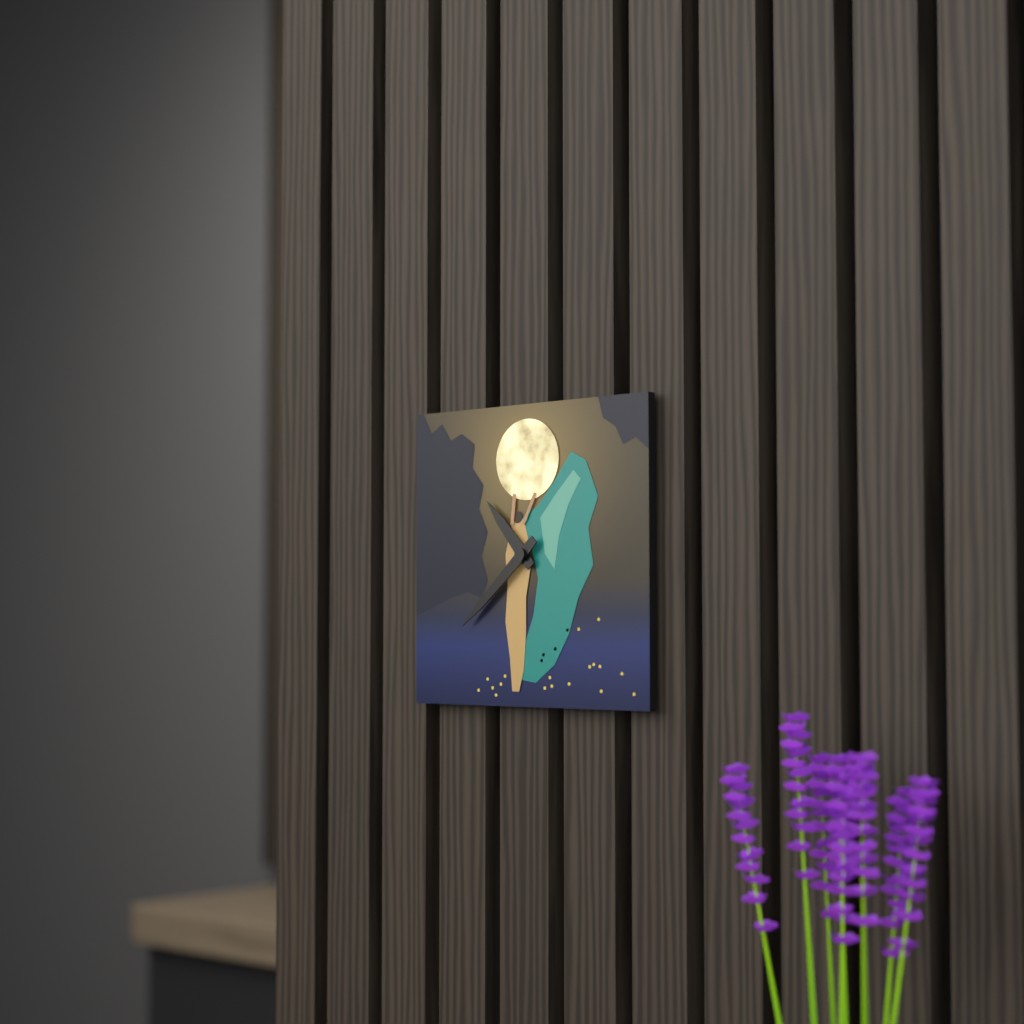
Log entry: {"hour": 10, "minute": 38}
